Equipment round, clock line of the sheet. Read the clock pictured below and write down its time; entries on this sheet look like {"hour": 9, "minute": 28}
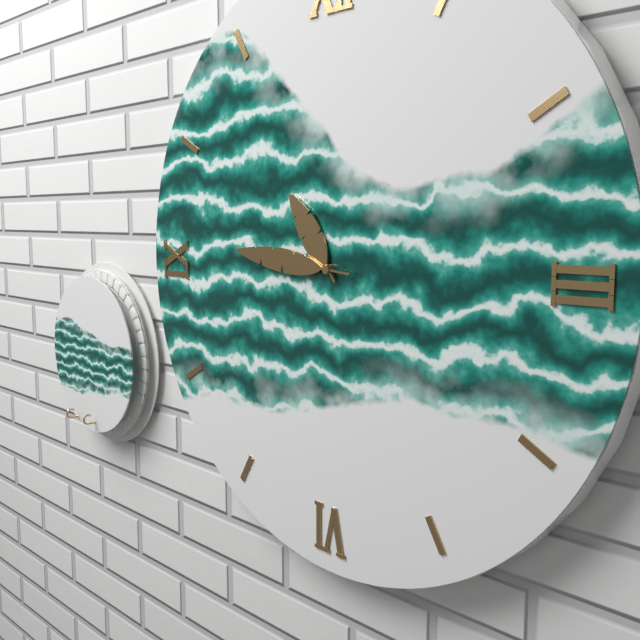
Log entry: {"hour": 10, "minute": 46}
